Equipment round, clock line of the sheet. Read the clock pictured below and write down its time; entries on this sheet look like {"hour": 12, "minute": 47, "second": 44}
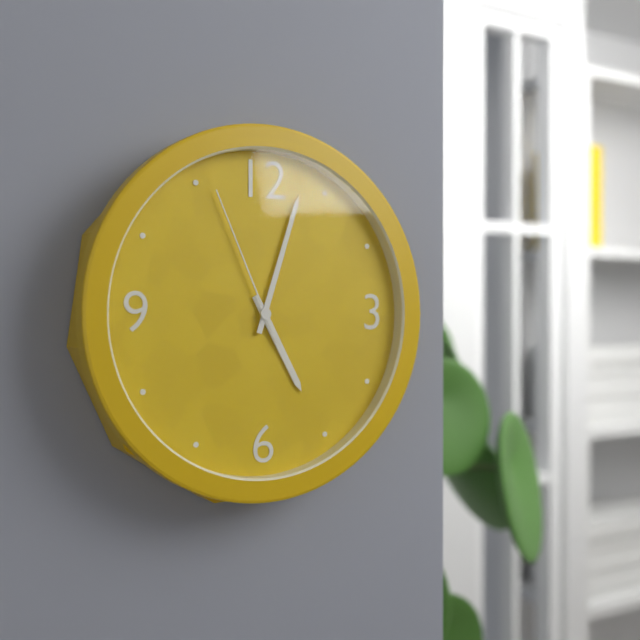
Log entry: {"hour": 5, "minute": 3, "second": 56}
